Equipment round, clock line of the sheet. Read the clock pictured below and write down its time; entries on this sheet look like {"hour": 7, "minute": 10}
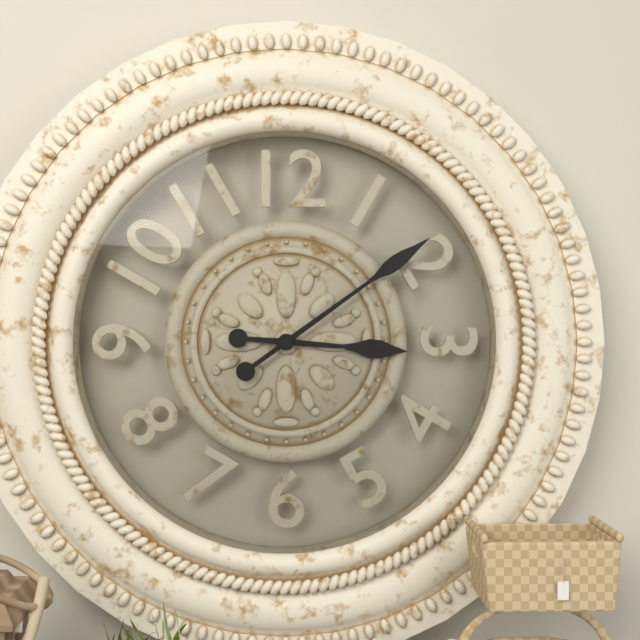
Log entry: {"hour": 3, "minute": 9}
